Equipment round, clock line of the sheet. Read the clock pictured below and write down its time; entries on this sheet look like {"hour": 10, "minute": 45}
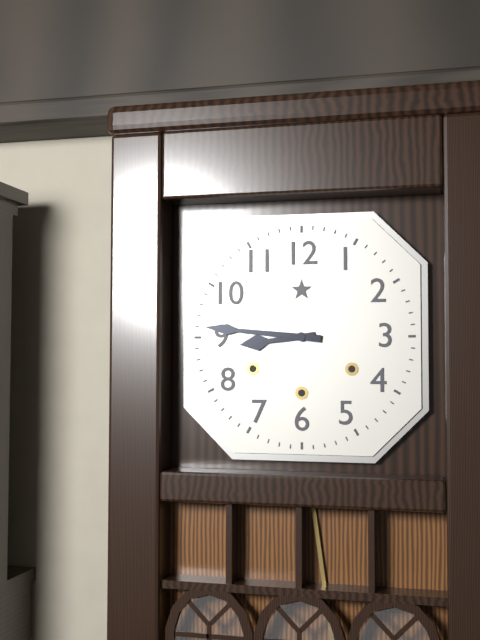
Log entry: {"hour": 8, "minute": 46}
